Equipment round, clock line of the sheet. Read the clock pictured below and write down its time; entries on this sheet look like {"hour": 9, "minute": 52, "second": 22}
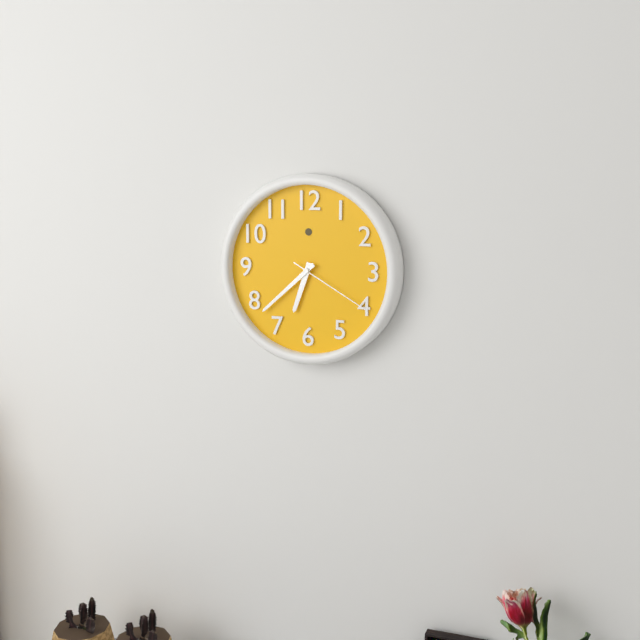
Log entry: {"hour": 6, "minute": 38, "second": 20}
